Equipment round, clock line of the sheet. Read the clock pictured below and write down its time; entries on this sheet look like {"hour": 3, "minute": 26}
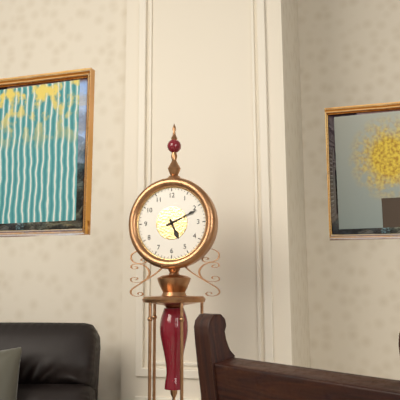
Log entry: {"hour": 5, "minute": 11}
